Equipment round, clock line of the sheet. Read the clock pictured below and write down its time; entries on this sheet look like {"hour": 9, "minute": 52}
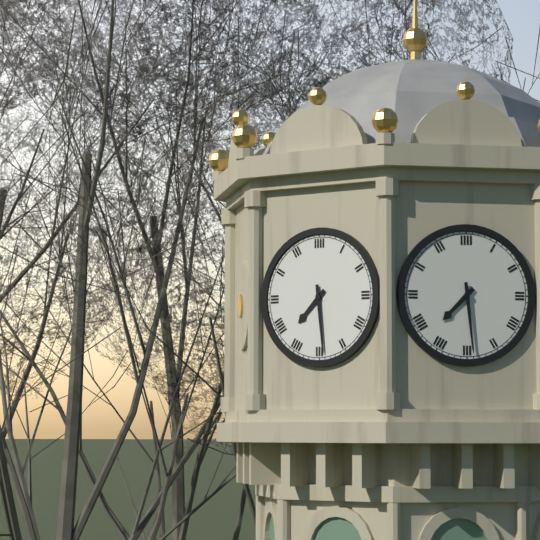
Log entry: {"hour": 7, "minute": 29}
